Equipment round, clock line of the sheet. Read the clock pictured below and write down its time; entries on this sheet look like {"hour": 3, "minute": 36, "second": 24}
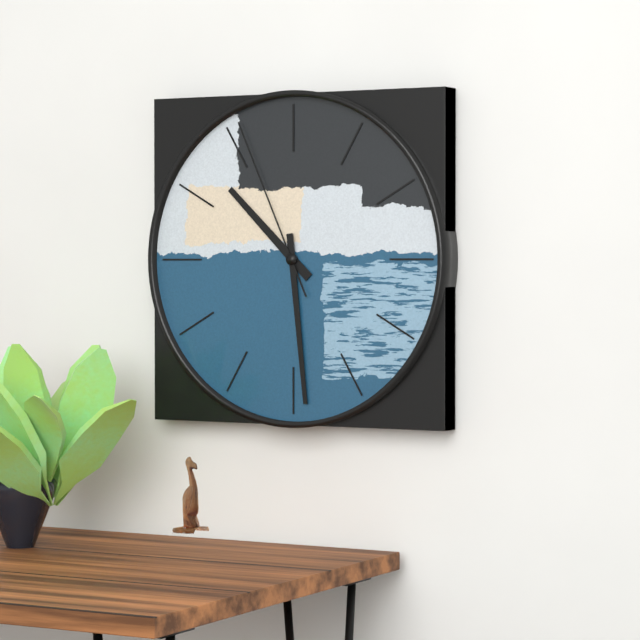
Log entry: {"hour": 10, "minute": 29, "second": 56}
